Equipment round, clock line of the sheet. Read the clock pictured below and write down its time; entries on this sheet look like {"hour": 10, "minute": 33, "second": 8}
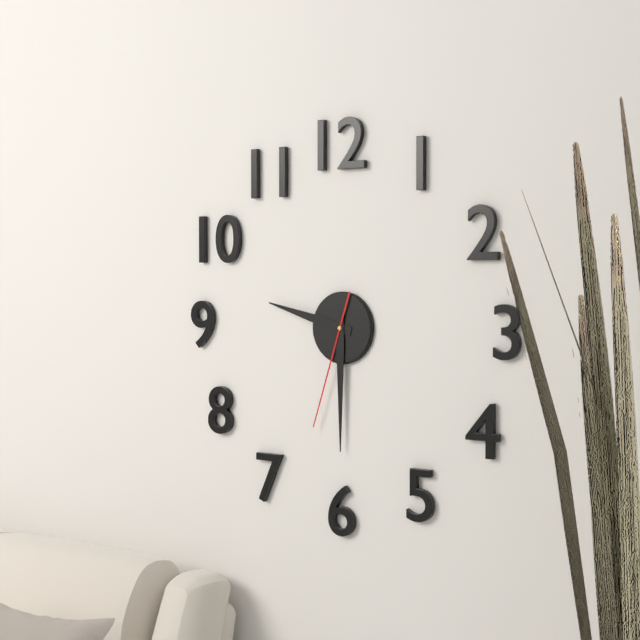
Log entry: {"hour": 9, "minute": 30, "second": 33}
